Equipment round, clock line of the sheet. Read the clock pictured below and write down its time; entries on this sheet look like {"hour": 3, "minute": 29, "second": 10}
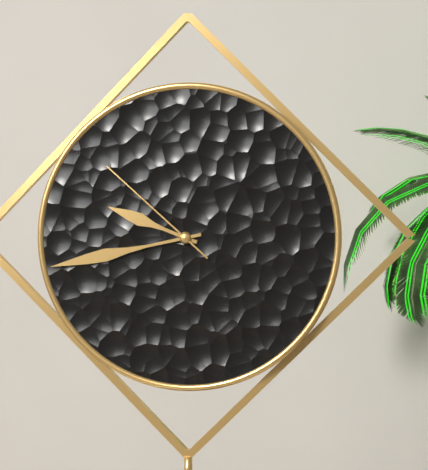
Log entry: {"hour": 9, "minute": 43, "second": 52}
